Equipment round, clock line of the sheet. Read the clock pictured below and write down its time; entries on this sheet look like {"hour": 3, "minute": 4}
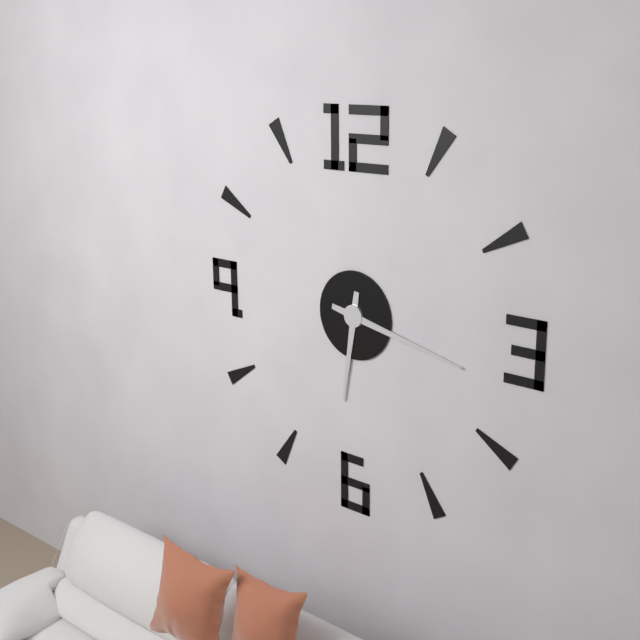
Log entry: {"hour": 6, "minute": 17}
